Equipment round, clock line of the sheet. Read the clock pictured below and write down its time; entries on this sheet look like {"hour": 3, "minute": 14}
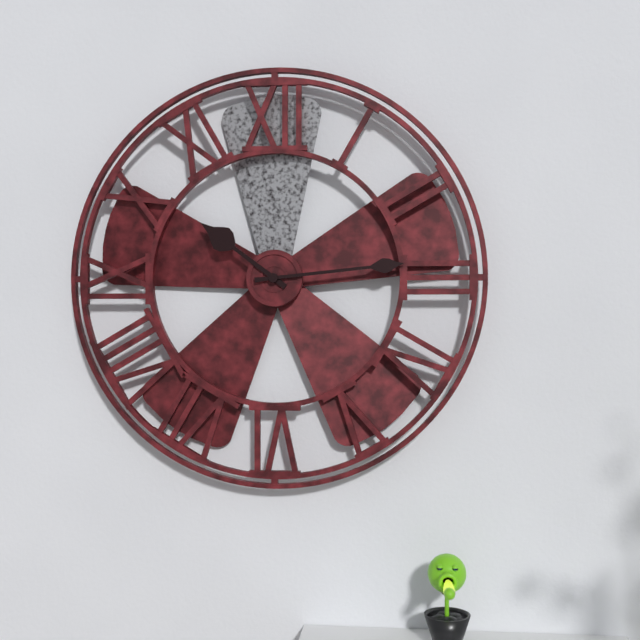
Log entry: {"hour": 10, "minute": 14}
